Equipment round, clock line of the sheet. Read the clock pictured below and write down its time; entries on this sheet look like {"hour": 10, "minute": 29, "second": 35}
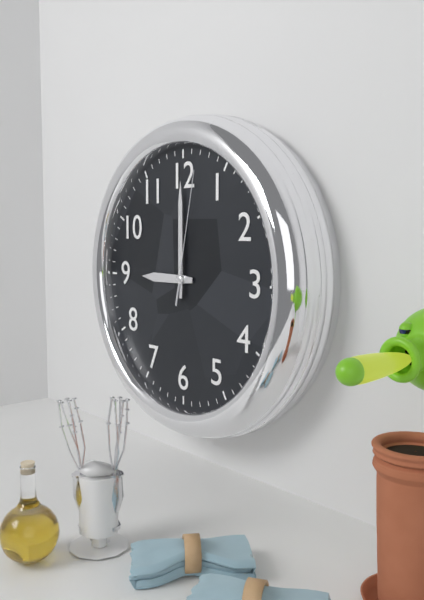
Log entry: {"hour": 9, "minute": 0, "second": 2}
